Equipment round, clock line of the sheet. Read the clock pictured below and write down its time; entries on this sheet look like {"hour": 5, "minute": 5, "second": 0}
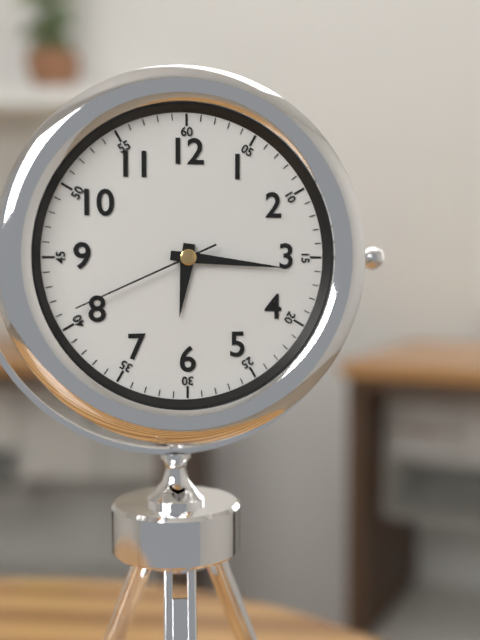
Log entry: {"hour": 6, "minute": 16, "second": 41}
